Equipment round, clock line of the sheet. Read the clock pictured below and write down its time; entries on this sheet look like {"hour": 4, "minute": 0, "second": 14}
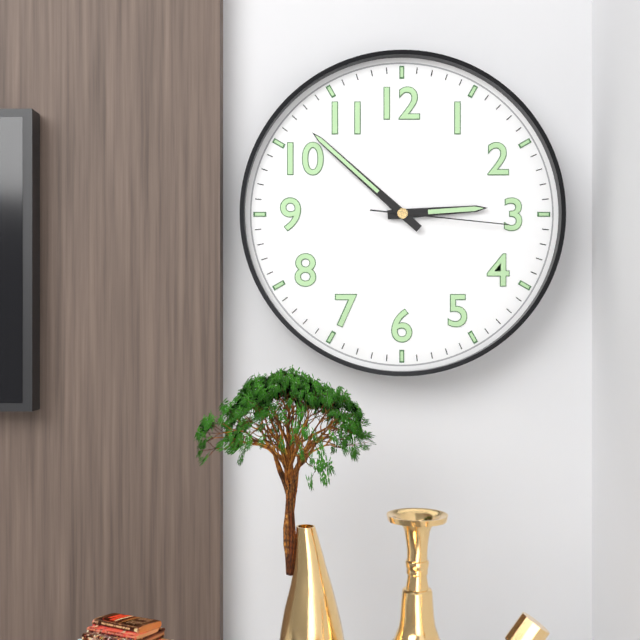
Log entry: {"hour": 2, "minute": 52, "second": 16}
